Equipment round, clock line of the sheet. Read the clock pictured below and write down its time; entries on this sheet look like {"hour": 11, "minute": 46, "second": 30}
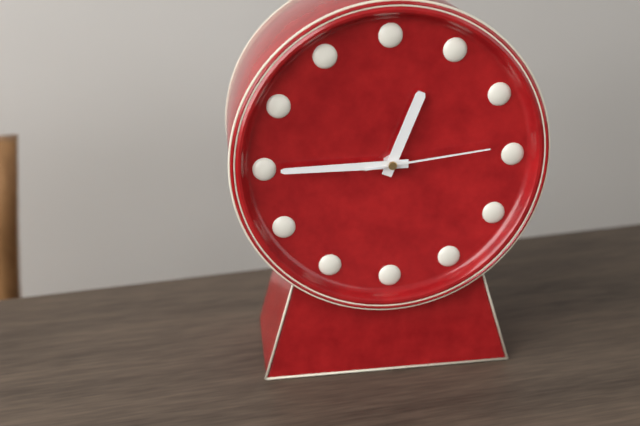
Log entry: {"hour": 12, "minute": 45, "second": 14}
